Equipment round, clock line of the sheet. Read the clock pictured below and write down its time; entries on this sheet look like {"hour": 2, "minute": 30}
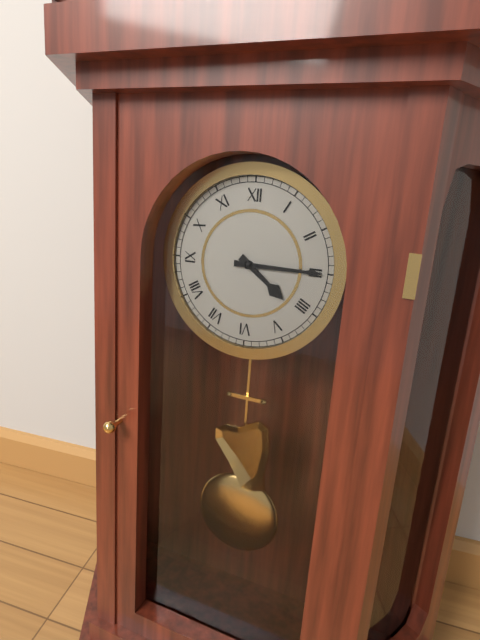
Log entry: {"hour": 4, "minute": 15}
